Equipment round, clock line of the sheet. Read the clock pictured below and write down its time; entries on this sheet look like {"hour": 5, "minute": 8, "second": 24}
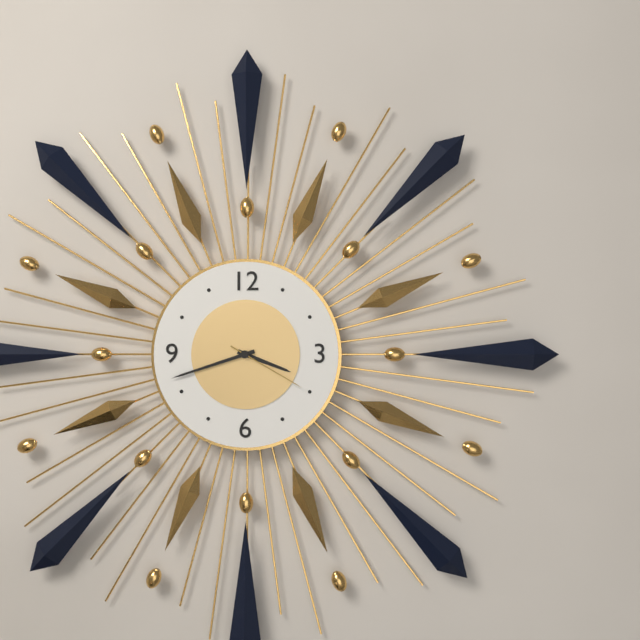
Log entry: {"hour": 3, "minute": 42, "second": 20}
